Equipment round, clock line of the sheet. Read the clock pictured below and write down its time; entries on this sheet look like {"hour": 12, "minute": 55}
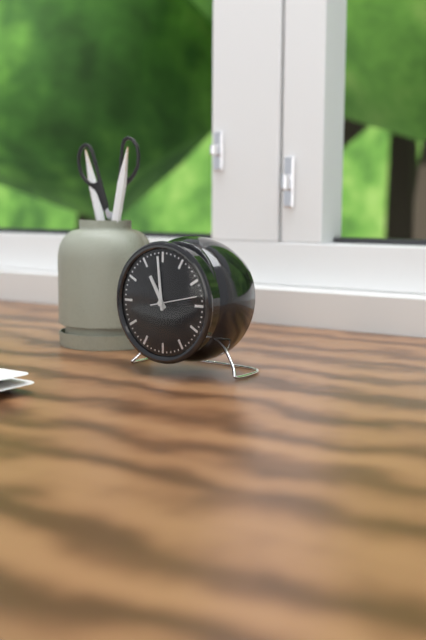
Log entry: {"hour": 10, "minute": 59}
